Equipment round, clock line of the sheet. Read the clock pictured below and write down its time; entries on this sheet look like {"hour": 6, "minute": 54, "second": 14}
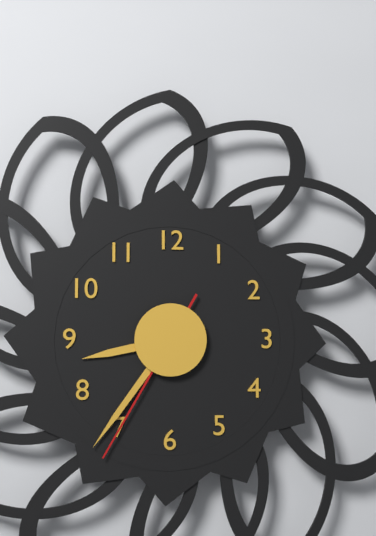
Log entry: {"hour": 8, "minute": 36, "second": 35}
